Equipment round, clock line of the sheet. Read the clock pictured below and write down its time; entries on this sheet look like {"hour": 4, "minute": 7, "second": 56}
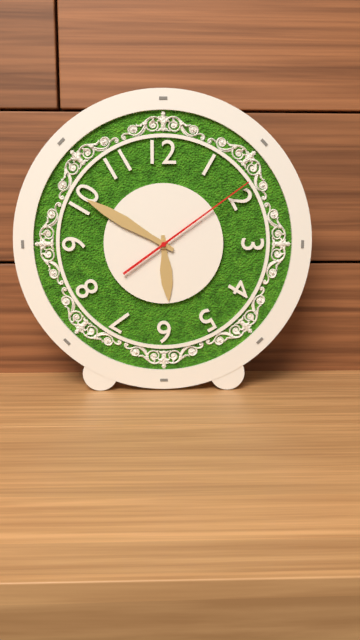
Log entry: {"hour": 5, "minute": 50, "second": 9}
